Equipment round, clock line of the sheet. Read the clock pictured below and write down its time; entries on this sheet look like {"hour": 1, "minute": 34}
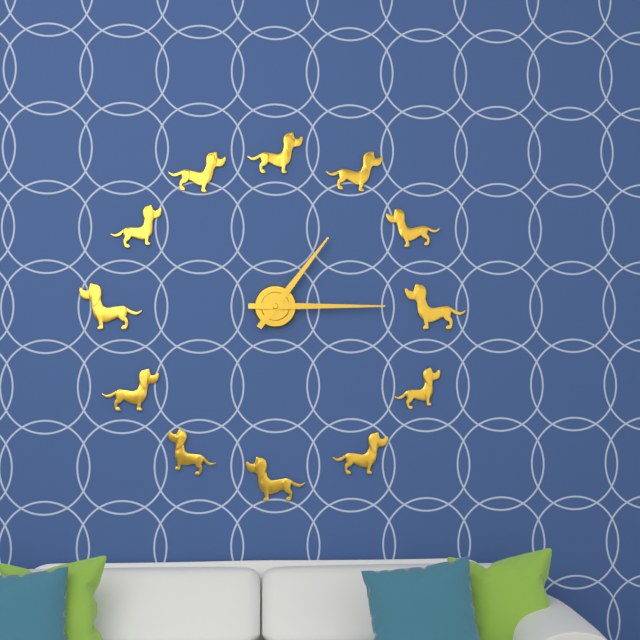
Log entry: {"hour": 1, "minute": 15}
